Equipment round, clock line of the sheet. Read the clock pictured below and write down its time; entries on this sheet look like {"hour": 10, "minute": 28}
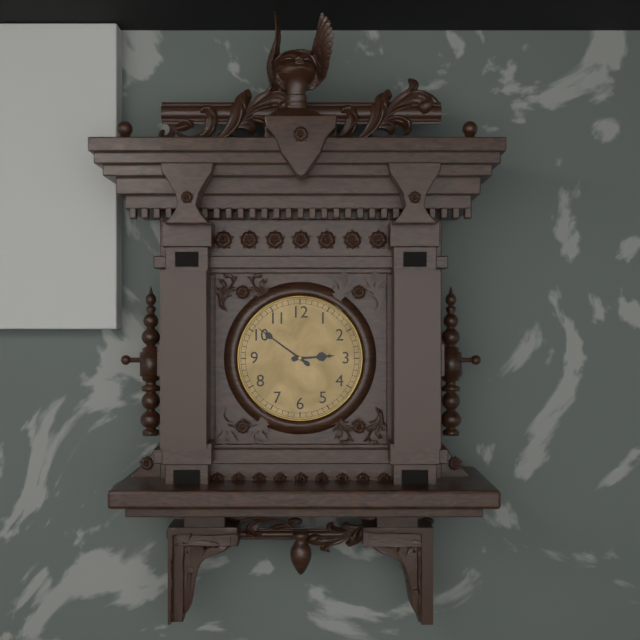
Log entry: {"hour": 2, "minute": 51}
